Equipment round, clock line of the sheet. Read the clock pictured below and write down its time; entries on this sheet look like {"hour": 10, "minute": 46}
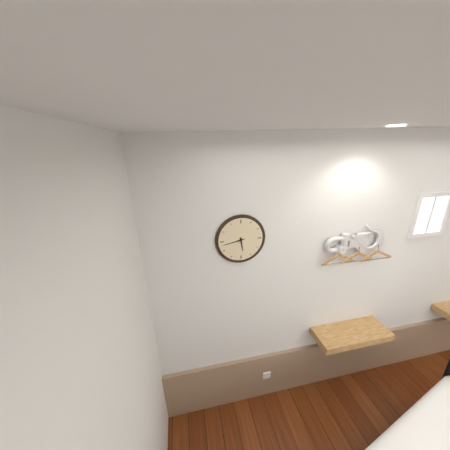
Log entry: {"hour": 5, "minute": 43}
